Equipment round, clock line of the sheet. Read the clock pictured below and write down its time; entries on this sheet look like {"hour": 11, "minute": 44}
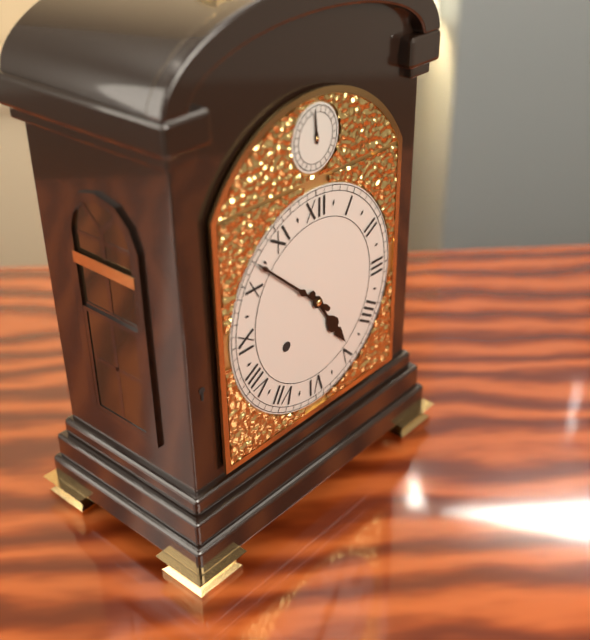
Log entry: {"hour": 4, "minute": 52}
